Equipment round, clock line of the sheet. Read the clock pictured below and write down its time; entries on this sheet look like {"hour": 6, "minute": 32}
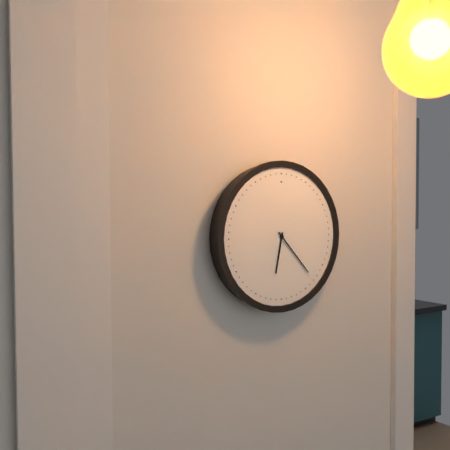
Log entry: {"hour": 6, "minute": 23}
